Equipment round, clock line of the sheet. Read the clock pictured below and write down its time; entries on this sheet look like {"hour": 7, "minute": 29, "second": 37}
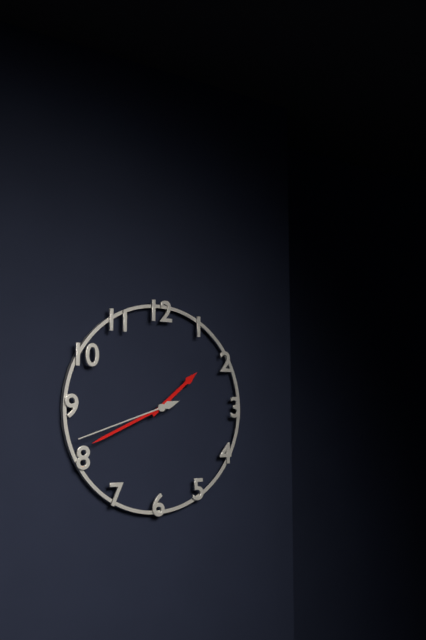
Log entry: {"hour": 1, "minute": 41, "second": 42}
